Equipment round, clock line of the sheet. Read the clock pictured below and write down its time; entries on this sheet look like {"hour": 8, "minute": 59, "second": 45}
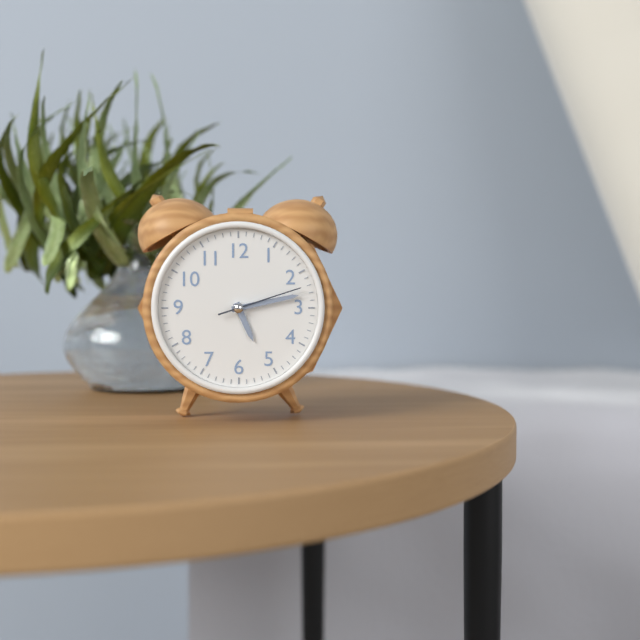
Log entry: {"hour": 5, "minute": 13, "second": 12}
